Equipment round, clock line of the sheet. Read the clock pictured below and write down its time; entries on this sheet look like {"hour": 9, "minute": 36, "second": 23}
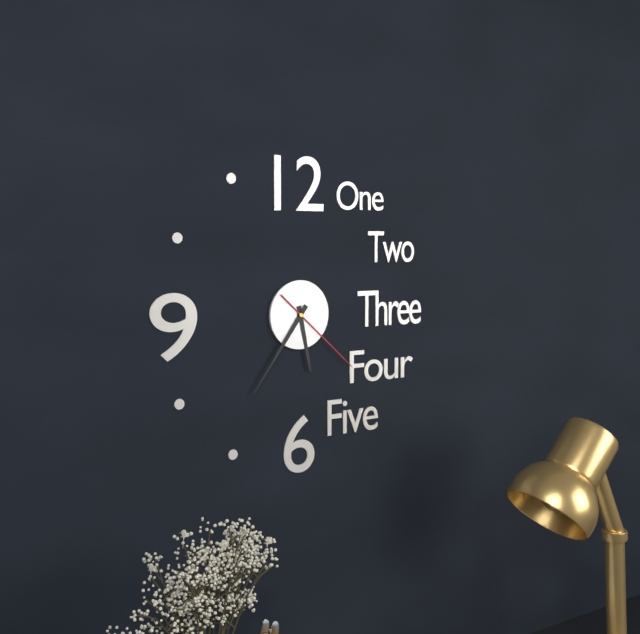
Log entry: {"hour": 5, "minute": 36, "second": 22}
